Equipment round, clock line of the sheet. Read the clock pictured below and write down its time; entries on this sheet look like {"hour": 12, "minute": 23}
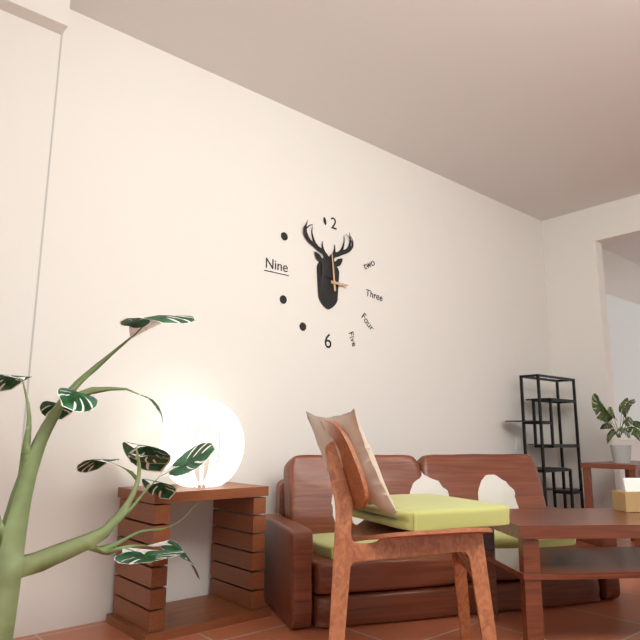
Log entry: {"hour": 2, "minute": 59}
